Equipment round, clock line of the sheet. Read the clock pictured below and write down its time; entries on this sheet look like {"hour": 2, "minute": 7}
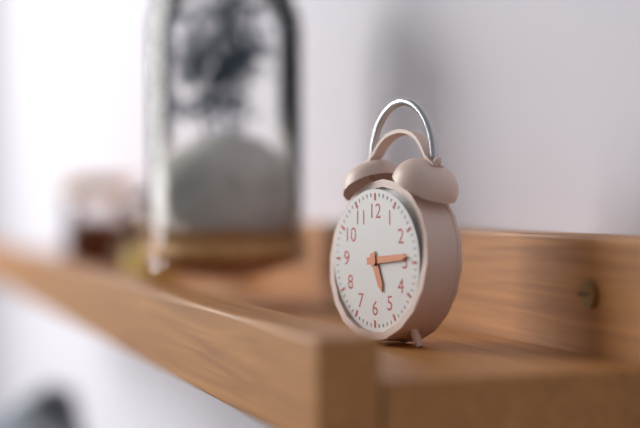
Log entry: {"hour": 5, "minute": 14}
